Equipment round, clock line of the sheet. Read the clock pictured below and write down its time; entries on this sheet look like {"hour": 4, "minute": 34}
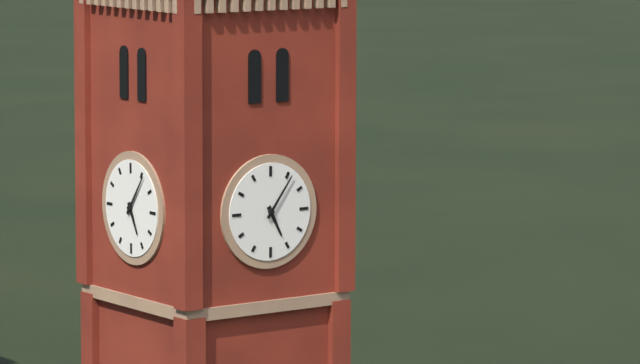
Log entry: {"hour": 5, "minute": 6}
